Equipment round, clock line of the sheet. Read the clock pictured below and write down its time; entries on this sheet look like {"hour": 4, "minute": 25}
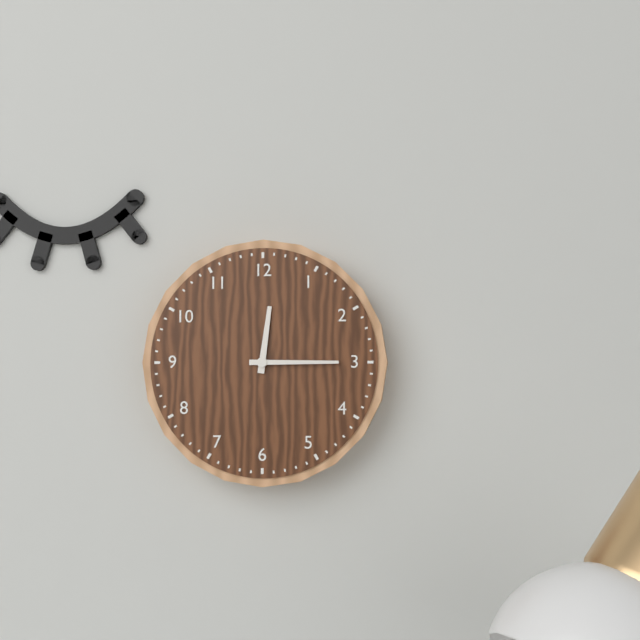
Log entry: {"hour": 12, "minute": 15}
